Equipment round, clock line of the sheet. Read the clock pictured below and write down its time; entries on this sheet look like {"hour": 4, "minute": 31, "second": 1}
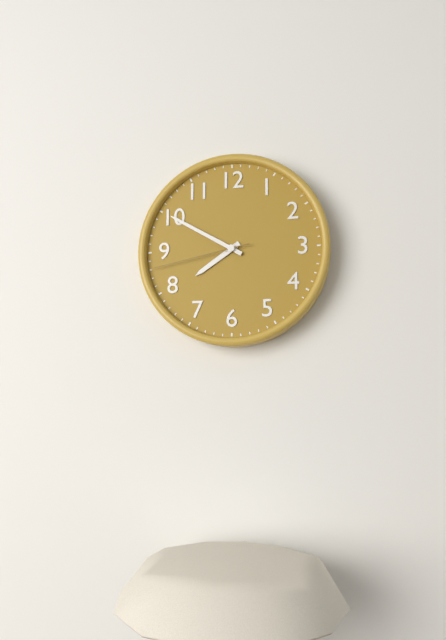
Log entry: {"hour": 7, "minute": 50, "second": 43}
